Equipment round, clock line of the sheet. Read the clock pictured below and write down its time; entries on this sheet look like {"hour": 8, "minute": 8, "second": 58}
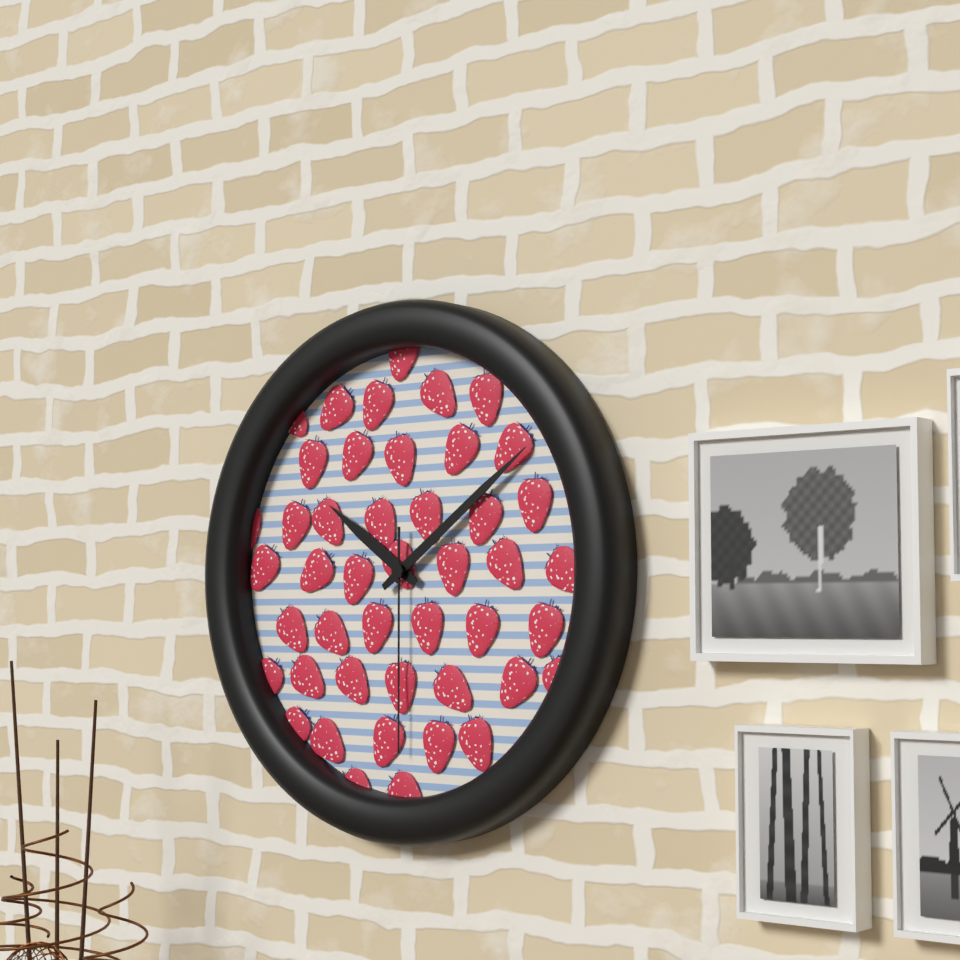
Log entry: {"hour": 10, "minute": 9, "second": 30}
